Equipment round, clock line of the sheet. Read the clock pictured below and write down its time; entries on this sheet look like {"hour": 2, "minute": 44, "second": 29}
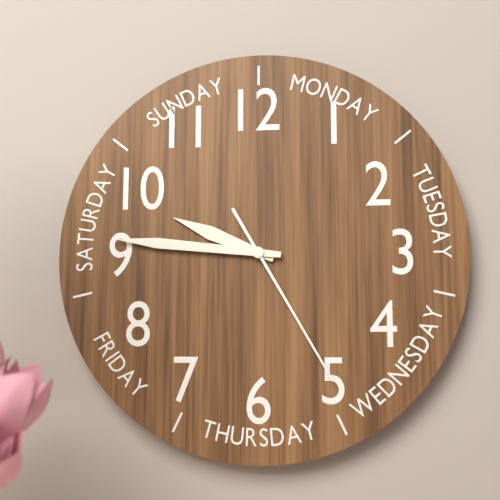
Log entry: {"hour": 9, "minute": 46, "second": 25}
